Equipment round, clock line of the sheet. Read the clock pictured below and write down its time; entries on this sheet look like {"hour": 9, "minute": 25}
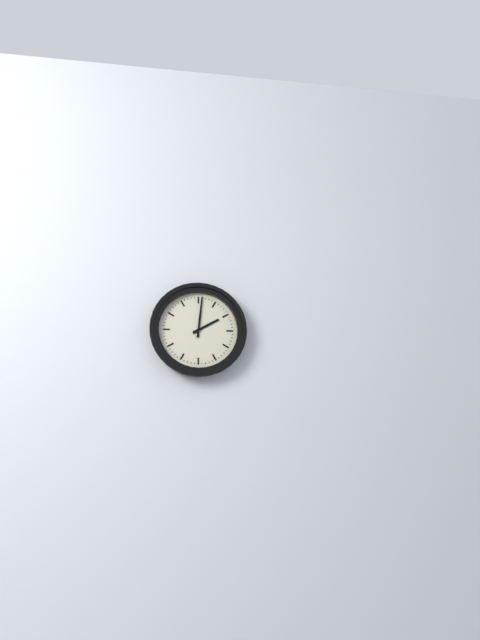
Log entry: {"hour": 2, "minute": 1}
